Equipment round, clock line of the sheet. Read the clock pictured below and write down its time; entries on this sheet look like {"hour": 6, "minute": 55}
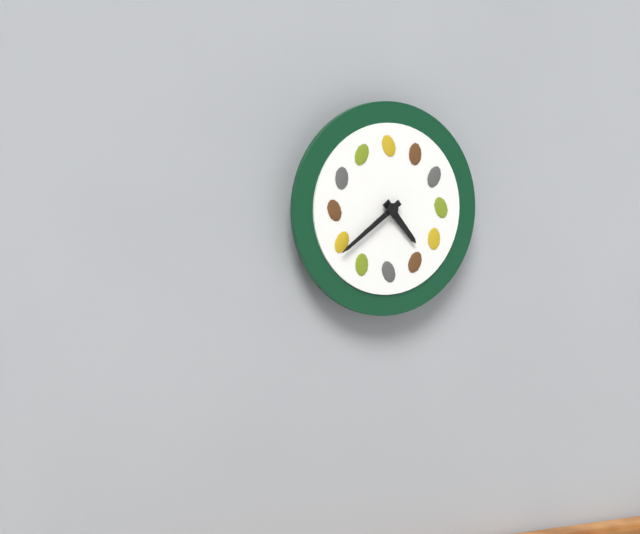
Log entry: {"hour": 4, "minute": 39}
